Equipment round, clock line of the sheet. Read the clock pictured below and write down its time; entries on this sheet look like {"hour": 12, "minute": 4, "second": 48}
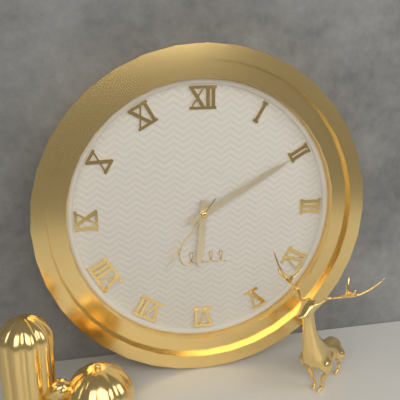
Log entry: {"hour": 6, "minute": 10, "second": 36}
